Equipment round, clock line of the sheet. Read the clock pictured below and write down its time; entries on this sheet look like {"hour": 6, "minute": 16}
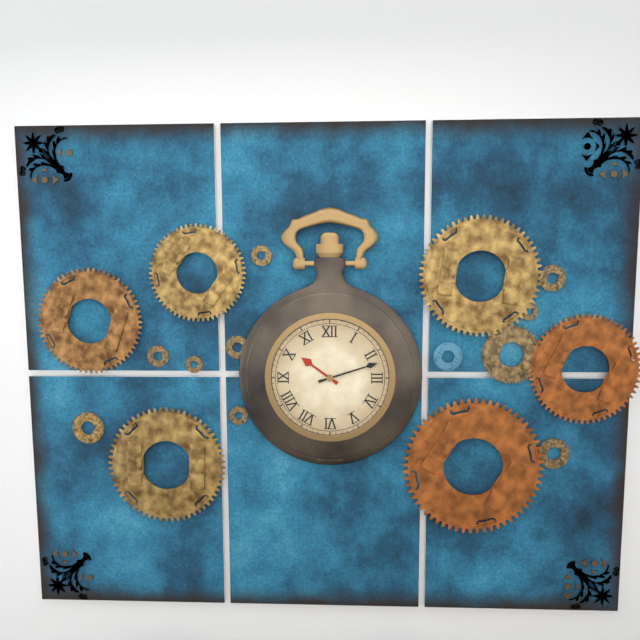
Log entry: {"hour": 10, "minute": 12}
